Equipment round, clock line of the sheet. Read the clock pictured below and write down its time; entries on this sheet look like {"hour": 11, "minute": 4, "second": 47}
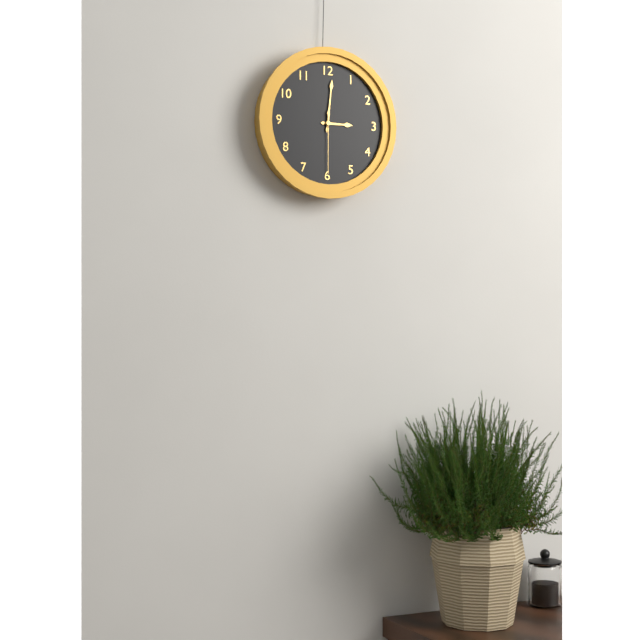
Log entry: {"hour": 3, "minute": 1, "second": 30}
